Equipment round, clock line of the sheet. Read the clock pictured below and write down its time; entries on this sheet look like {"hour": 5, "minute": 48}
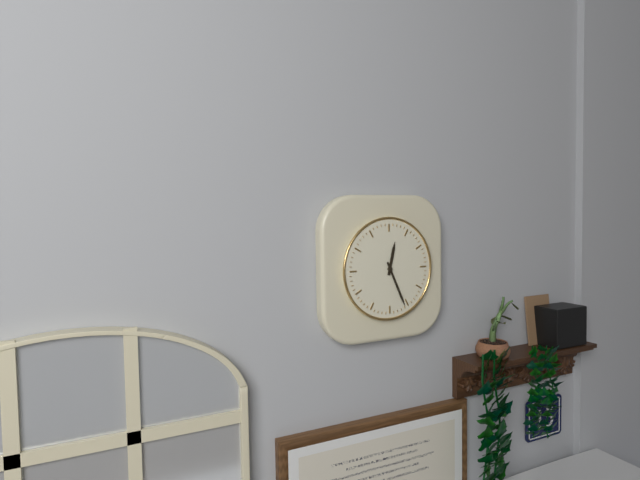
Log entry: {"hour": 12, "minute": 26}
